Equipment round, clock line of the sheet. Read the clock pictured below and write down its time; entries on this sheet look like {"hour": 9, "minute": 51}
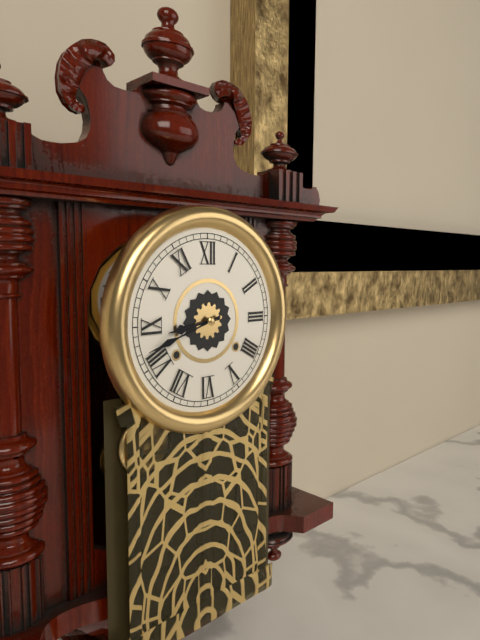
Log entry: {"hour": 8, "minute": 42}
